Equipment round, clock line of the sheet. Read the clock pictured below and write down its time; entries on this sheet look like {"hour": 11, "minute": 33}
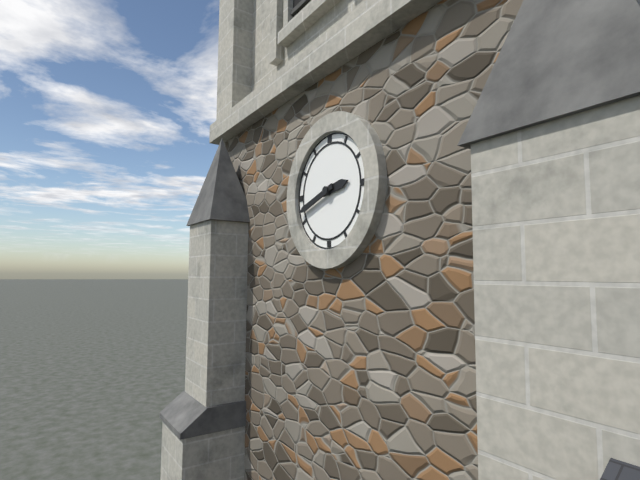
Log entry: {"hour": 2, "minute": 42}
